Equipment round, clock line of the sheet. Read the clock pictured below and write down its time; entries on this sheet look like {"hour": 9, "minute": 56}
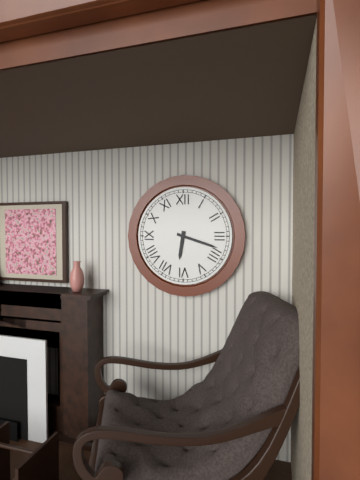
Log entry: {"hour": 6, "minute": 18}
